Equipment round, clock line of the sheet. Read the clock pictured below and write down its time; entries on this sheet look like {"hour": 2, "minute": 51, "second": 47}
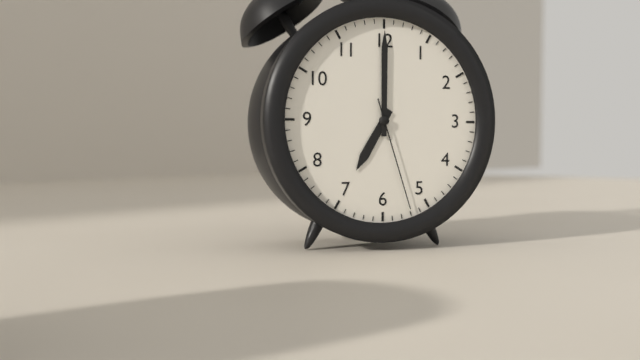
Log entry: {"hour": 7, "minute": 0, "second": 27}
